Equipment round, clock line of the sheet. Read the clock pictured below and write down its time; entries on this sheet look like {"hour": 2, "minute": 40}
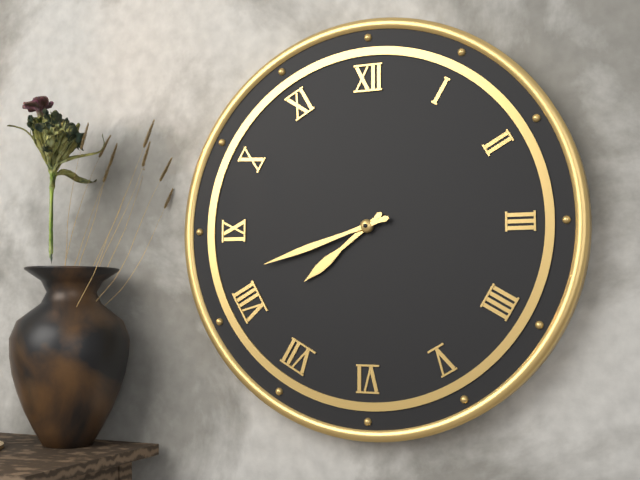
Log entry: {"hour": 7, "minute": 42}
